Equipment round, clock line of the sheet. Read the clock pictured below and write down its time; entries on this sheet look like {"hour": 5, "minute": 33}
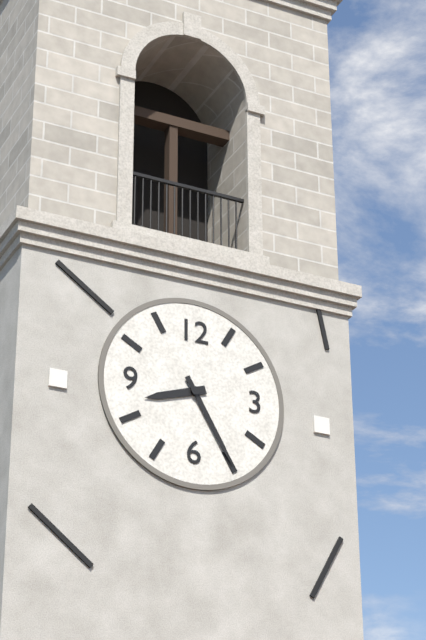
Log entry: {"hour": 8, "minute": 25}
